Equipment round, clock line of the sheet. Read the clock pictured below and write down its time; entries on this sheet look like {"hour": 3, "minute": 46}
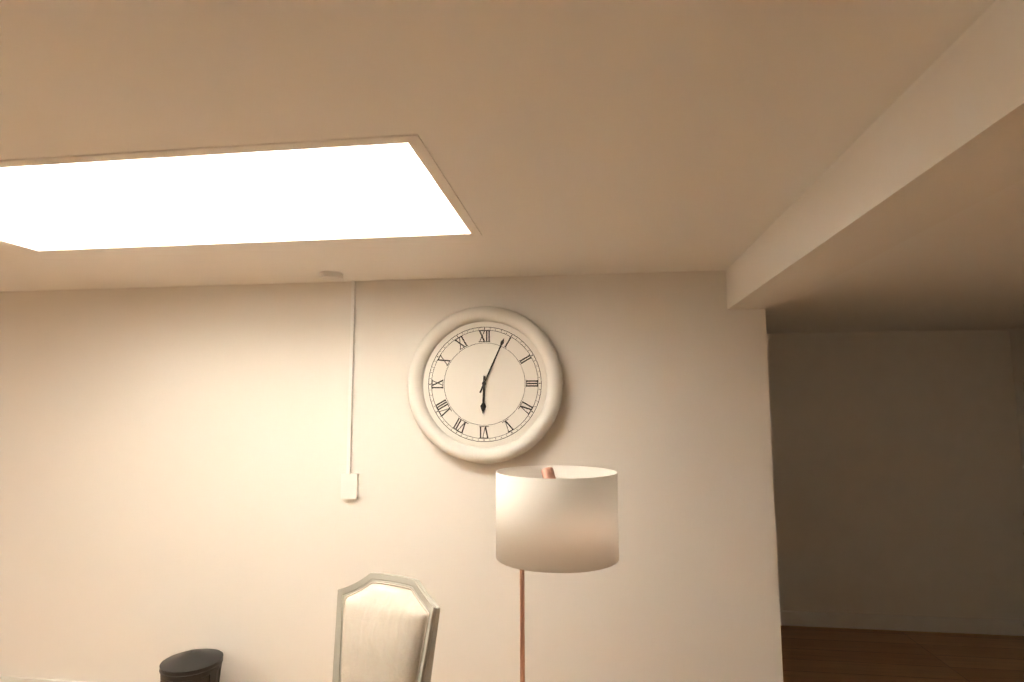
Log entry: {"hour": 6, "minute": 4}
